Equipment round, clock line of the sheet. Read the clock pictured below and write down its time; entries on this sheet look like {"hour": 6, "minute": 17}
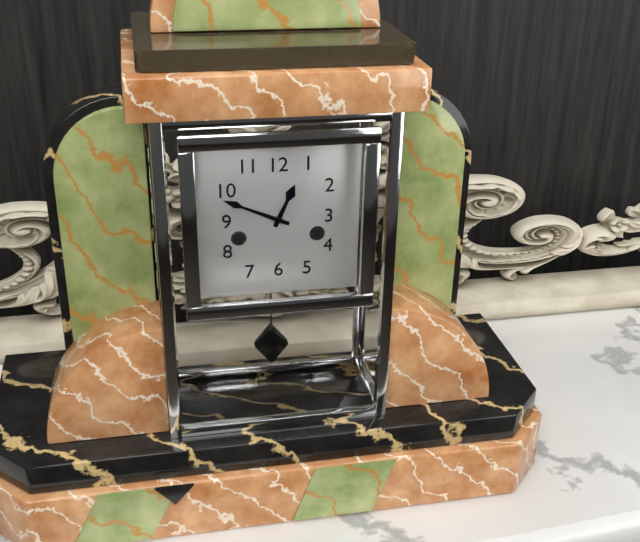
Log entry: {"hour": 12, "minute": 49}
